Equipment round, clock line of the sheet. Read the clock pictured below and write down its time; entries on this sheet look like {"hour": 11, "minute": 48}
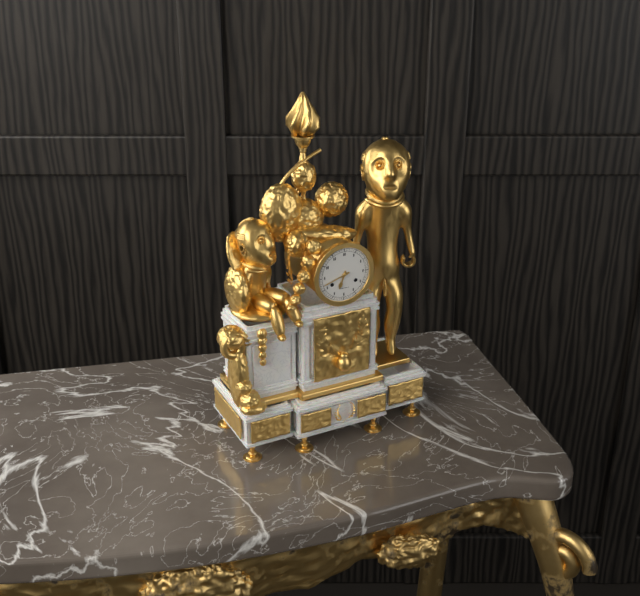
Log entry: {"hour": 6, "minute": 42}
